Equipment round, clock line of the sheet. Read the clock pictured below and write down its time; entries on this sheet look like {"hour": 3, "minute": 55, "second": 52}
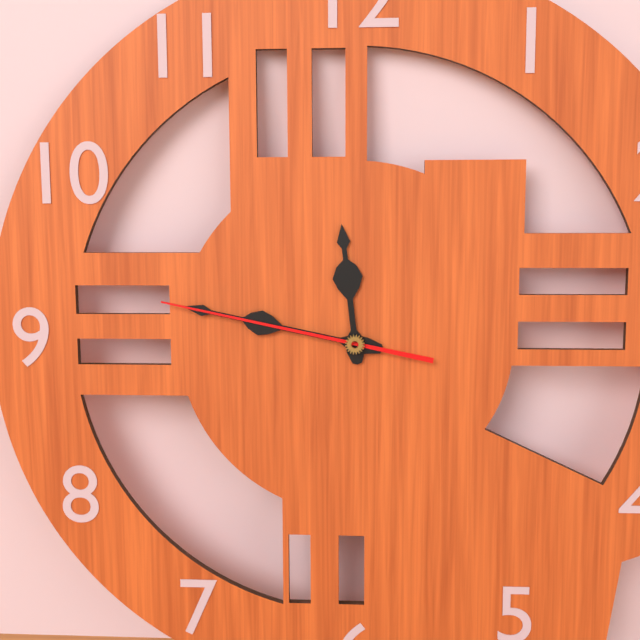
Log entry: {"hour": 11, "minute": 47, "second": 47}
